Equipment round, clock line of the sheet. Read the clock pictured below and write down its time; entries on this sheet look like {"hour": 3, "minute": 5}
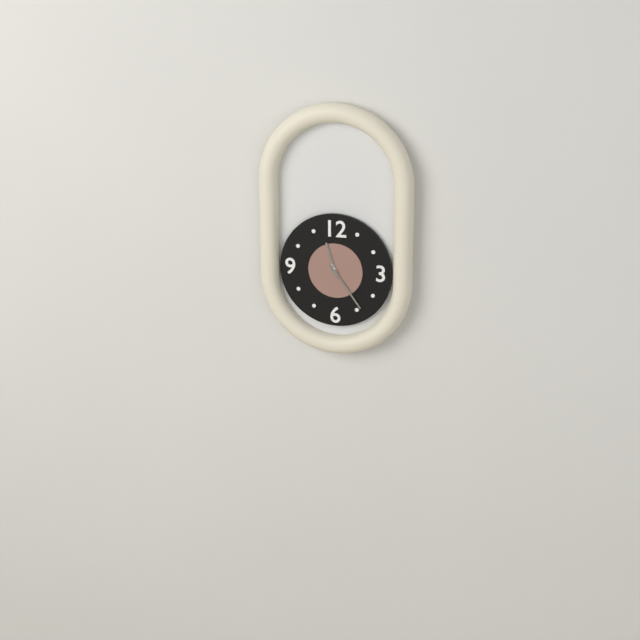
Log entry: {"hour": 11, "minute": 24}
